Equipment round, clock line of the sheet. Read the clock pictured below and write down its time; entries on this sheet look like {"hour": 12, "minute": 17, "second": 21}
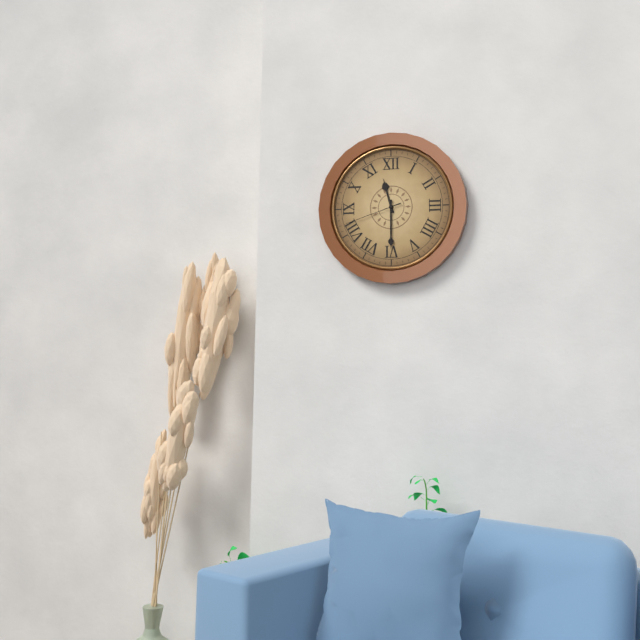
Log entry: {"hour": 11, "minute": 30, "second": 42}
